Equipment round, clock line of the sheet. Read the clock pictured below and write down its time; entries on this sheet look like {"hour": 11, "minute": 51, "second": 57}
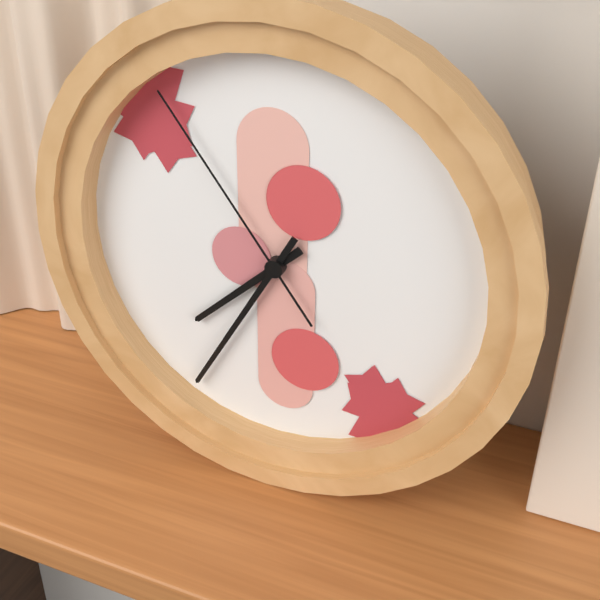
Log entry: {"hour": 7, "minute": 35, "second": 54}
